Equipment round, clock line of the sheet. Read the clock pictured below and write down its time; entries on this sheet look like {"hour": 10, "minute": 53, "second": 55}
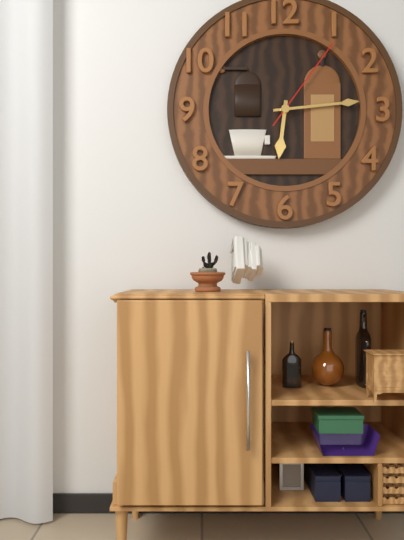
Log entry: {"hour": 6, "minute": 14, "second": 6}
